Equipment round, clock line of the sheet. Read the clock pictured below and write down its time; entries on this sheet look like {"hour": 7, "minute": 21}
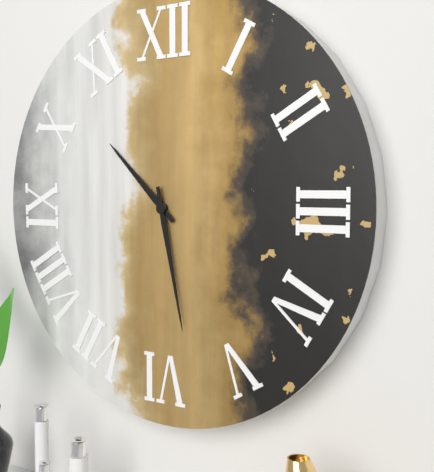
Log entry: {"hour": 10, "minute": 28}
